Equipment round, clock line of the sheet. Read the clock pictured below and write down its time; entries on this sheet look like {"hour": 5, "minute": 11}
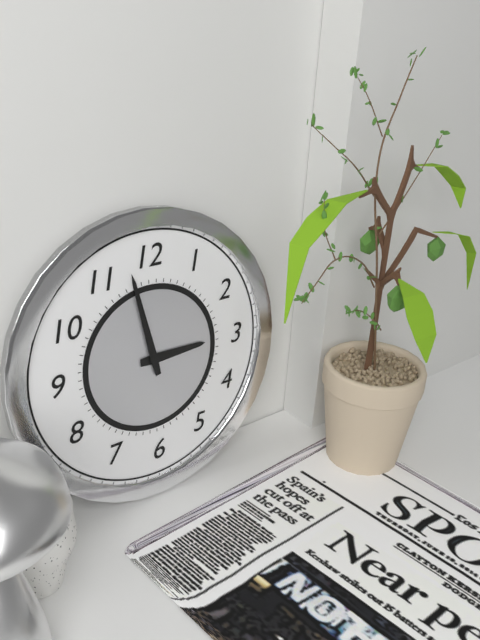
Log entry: {"hour": 2, "minute": 58}
